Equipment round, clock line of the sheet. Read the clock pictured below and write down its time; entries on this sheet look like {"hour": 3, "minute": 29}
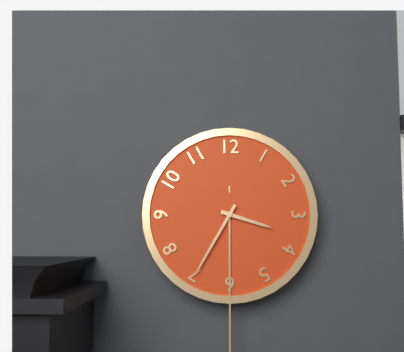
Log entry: {"hour": 3, "minute": 35}
